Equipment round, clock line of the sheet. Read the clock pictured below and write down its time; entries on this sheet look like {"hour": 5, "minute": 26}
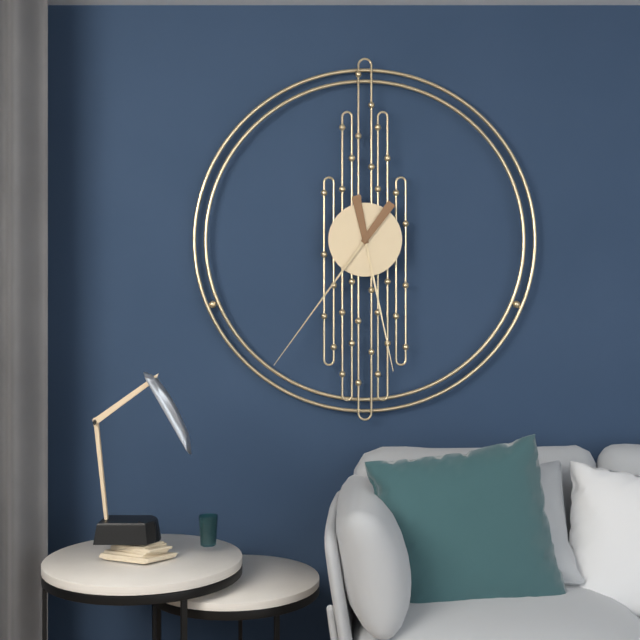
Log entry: {"hour": 5, "minute": 36}
